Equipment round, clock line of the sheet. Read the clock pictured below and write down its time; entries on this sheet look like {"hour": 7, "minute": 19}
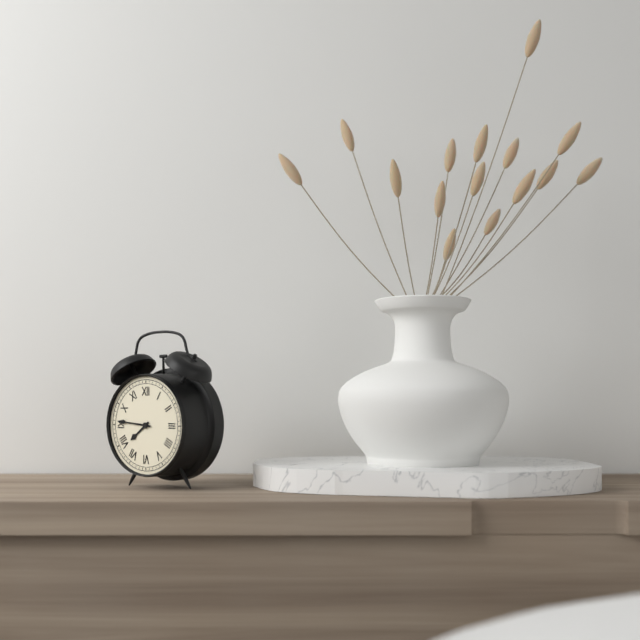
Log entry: {"hour": 7, "minute": 46}
